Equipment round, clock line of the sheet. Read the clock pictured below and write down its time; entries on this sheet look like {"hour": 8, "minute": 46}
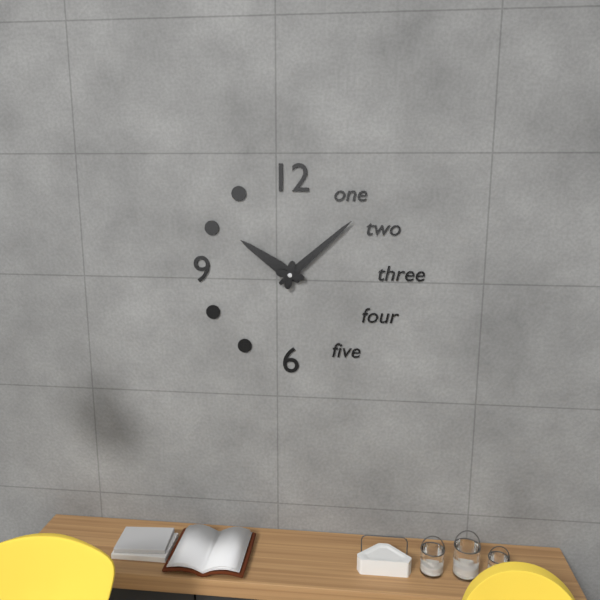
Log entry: {"hour": 10, "minute": 8}
